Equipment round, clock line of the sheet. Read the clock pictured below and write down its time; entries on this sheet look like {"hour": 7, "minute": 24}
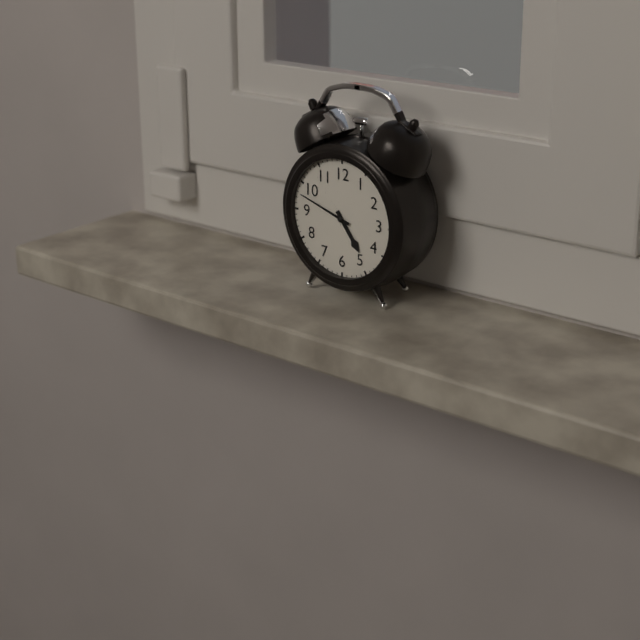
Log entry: {"hour": 4, "minute": 48}
